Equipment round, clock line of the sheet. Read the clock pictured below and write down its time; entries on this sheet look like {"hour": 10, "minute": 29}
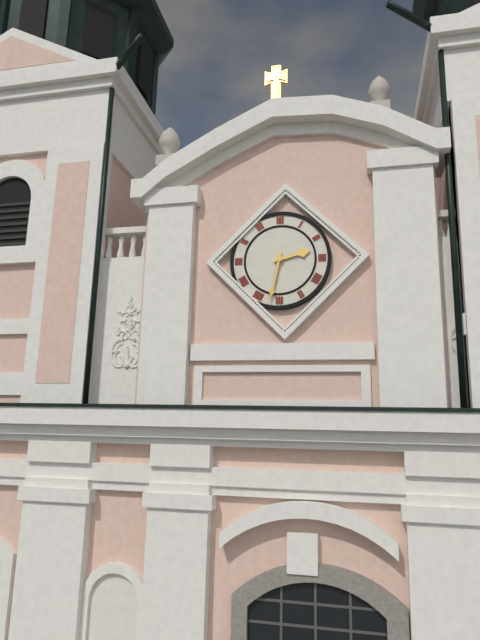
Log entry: {"hour": 2, "minute": 32}
